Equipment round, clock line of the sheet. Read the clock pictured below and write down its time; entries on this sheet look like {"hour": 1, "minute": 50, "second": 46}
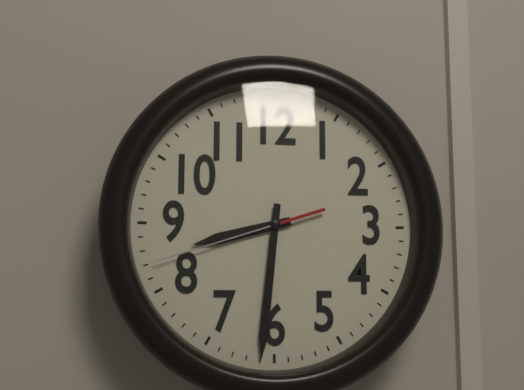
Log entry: {"hour": 8, "minute": 31, "second": 42}
